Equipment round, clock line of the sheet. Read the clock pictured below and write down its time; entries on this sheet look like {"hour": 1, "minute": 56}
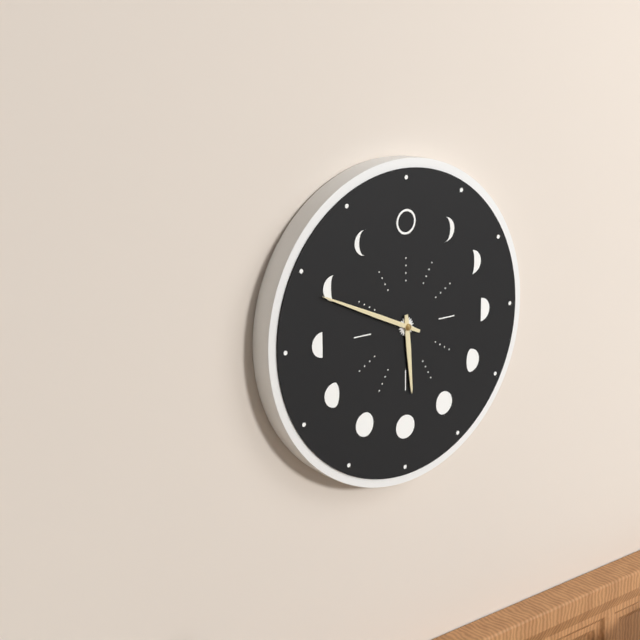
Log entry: {"hour": 5, "minute": 49}
